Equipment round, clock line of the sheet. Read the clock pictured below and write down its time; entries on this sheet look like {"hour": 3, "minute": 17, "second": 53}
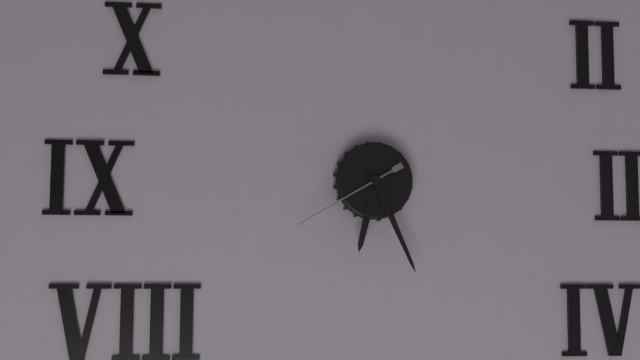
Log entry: {"hour": 6, "minute": 26, "second": 40}
